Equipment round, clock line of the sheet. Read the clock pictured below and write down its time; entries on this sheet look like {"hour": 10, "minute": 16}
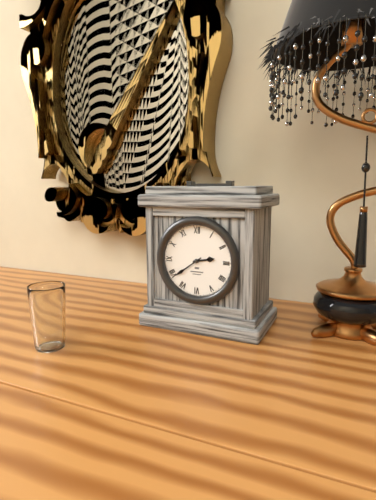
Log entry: {"hour": 2, "minute": 39}
